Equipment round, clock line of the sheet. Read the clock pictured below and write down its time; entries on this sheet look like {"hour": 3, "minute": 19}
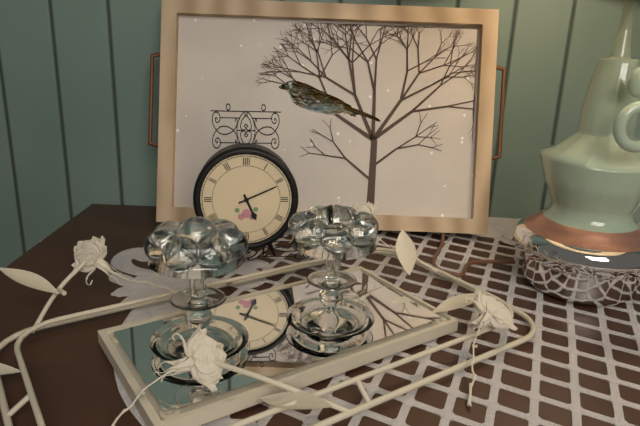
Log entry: {"hour": 5, "minute": 11}
